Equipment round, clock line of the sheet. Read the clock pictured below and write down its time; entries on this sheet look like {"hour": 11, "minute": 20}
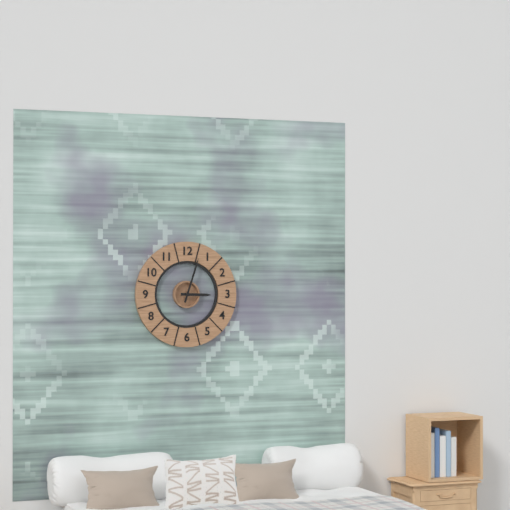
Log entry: {"hour": 3, "minute": 3}
